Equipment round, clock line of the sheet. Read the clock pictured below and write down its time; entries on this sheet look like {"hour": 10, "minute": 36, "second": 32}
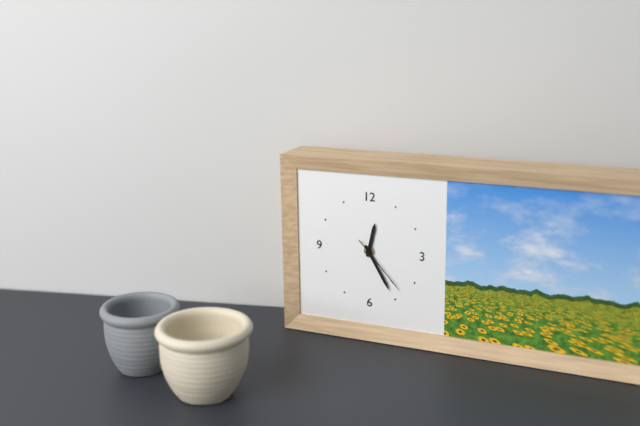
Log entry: {"hour": 12, "minute": 25, "second": 23}
